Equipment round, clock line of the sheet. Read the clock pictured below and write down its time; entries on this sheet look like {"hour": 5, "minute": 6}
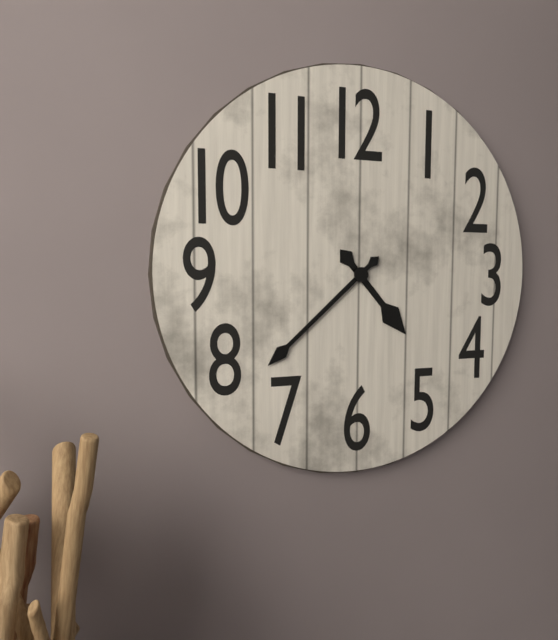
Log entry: {"hour": 4, "minute": 38}
